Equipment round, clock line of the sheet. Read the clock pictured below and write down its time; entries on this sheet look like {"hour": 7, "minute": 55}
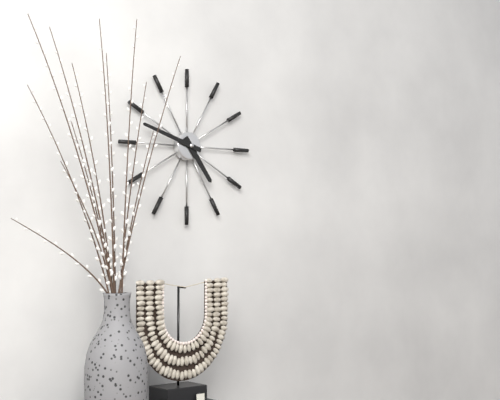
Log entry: {"hour": 4, "minute": 48}
